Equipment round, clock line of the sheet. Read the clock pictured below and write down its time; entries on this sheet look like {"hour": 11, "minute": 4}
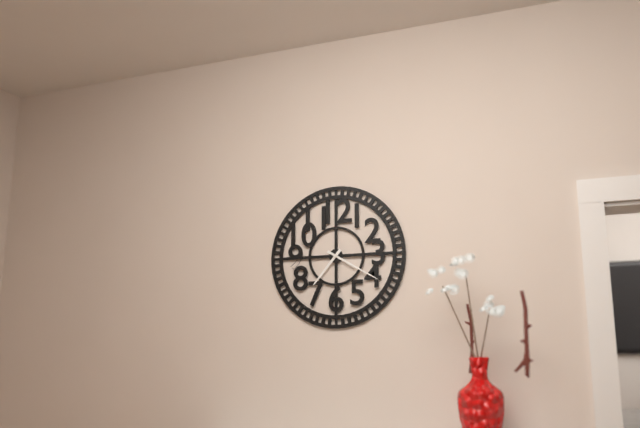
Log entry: {"hour": 7, "minute": 20}
